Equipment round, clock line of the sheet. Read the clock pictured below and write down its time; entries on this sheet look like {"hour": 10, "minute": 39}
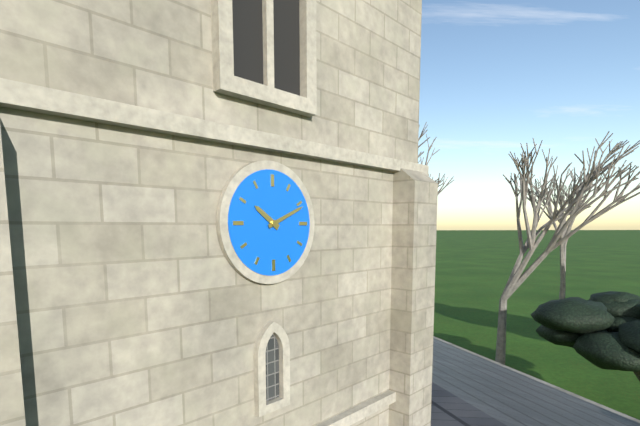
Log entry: {"hour": 10, "minute": 11}
